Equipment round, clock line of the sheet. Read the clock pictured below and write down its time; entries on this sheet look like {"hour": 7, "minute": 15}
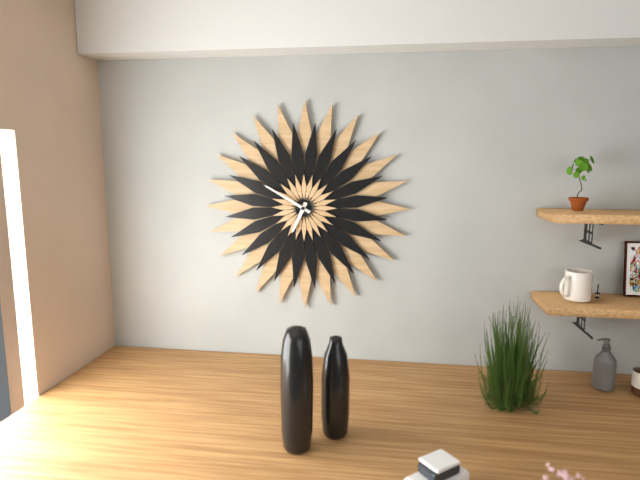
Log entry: {"hour": 6, "minute": 50}
